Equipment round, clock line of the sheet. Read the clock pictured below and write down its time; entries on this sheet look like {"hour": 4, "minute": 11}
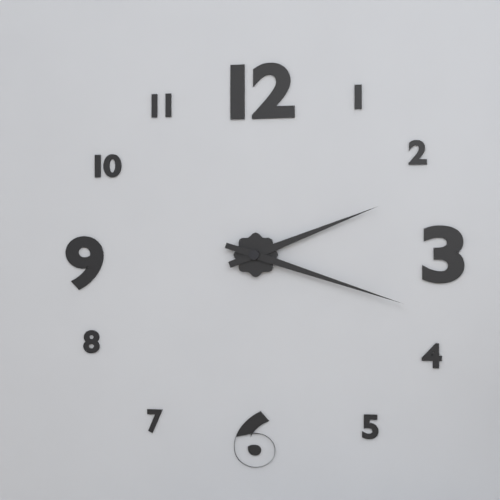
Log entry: {"hour": 2, "minute": 18}
